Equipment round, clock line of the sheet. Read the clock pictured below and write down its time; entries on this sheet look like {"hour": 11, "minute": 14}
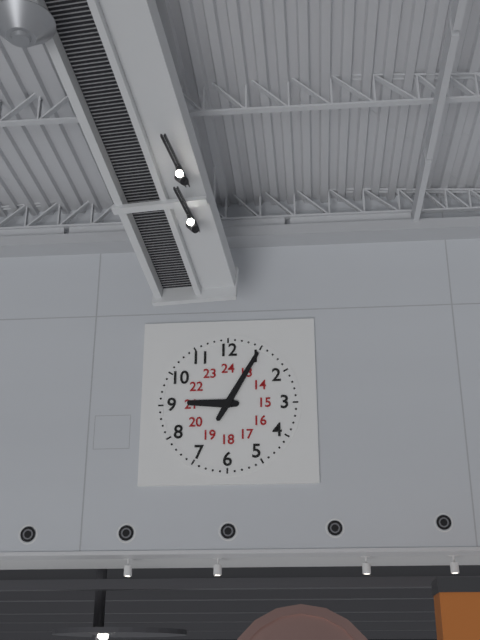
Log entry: {"hour": 9, "minute": 5}
